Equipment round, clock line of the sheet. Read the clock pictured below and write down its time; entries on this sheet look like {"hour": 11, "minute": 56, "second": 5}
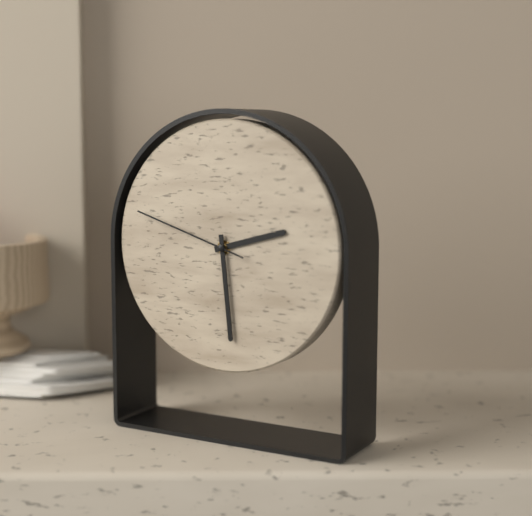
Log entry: {"hour": 2, "minute": 29, "second": 48}
